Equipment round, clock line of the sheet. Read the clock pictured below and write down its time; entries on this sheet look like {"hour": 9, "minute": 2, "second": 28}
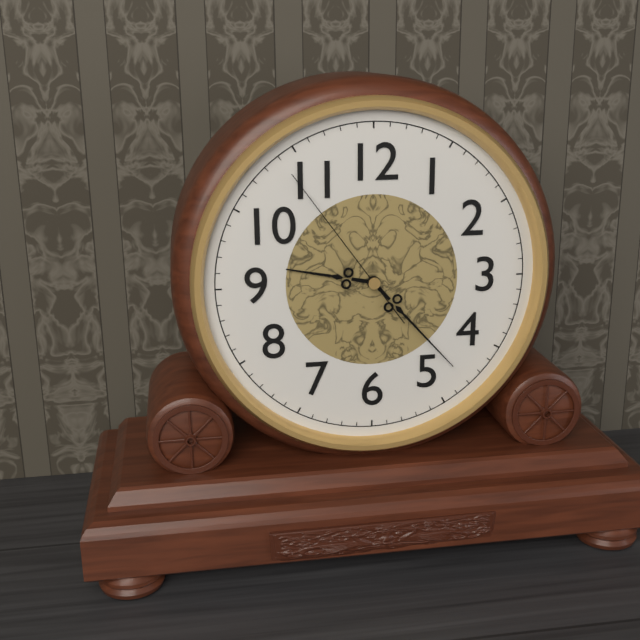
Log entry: {"hour": 9, "minute": 23, "second": 54}
